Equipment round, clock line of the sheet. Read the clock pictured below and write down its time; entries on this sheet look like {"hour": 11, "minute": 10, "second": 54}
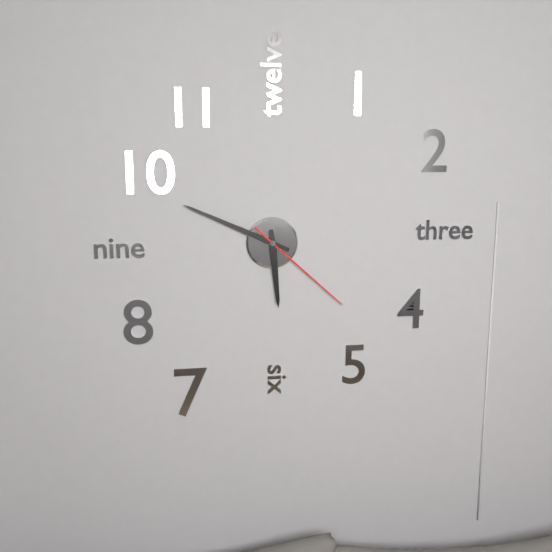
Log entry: {"hour": 5, "minute": 49, "second": 22}
